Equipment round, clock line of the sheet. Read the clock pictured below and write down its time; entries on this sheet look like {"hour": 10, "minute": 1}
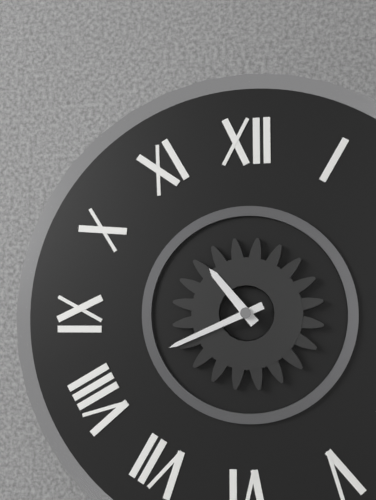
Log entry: {"hour": 10, "minute": 41}
